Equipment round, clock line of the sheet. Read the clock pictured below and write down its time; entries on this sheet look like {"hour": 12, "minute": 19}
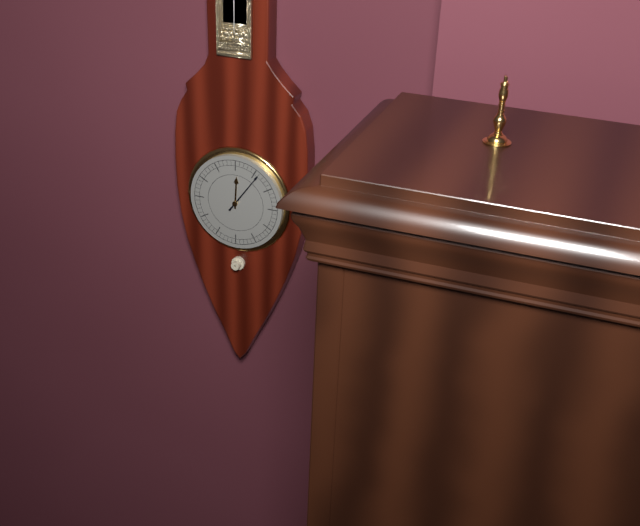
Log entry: {"hour": 12, "minute": 6}
